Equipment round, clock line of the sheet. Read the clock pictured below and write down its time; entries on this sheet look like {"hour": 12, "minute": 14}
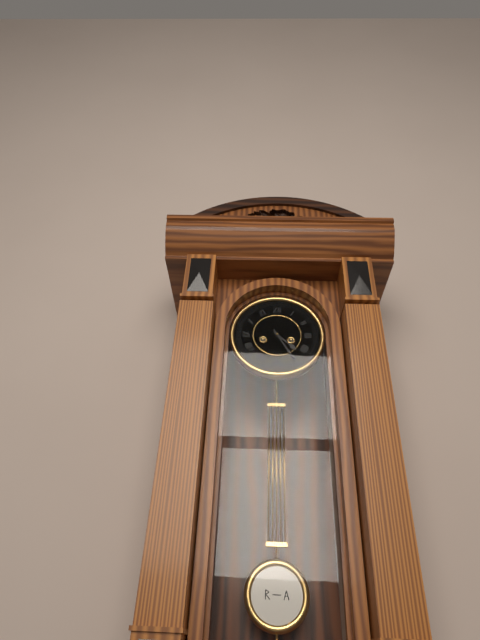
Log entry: {"hour": 4, "minute": 25}
